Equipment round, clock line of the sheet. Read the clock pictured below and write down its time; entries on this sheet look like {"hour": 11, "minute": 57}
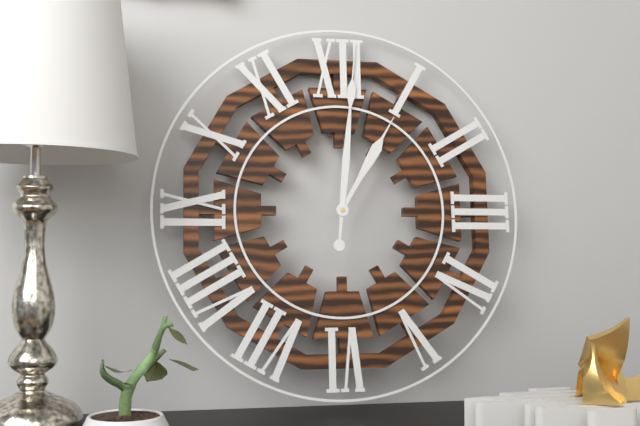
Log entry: {"hour": 1, "minute": 1}
